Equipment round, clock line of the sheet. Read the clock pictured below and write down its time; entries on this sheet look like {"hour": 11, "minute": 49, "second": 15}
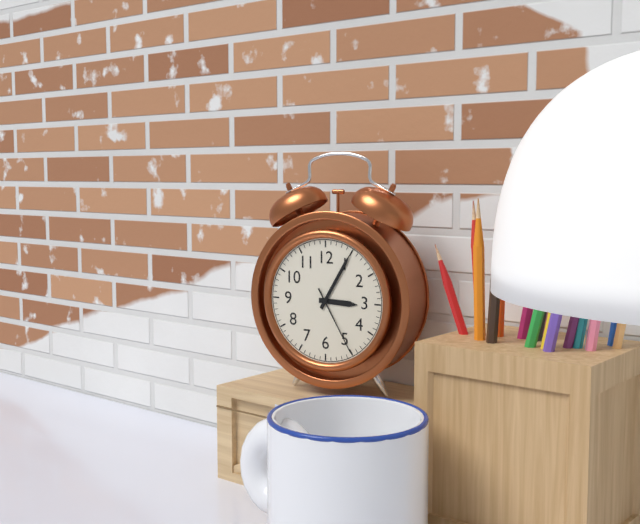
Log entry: {"hour": 3, "minute": 5, "second": 25}
